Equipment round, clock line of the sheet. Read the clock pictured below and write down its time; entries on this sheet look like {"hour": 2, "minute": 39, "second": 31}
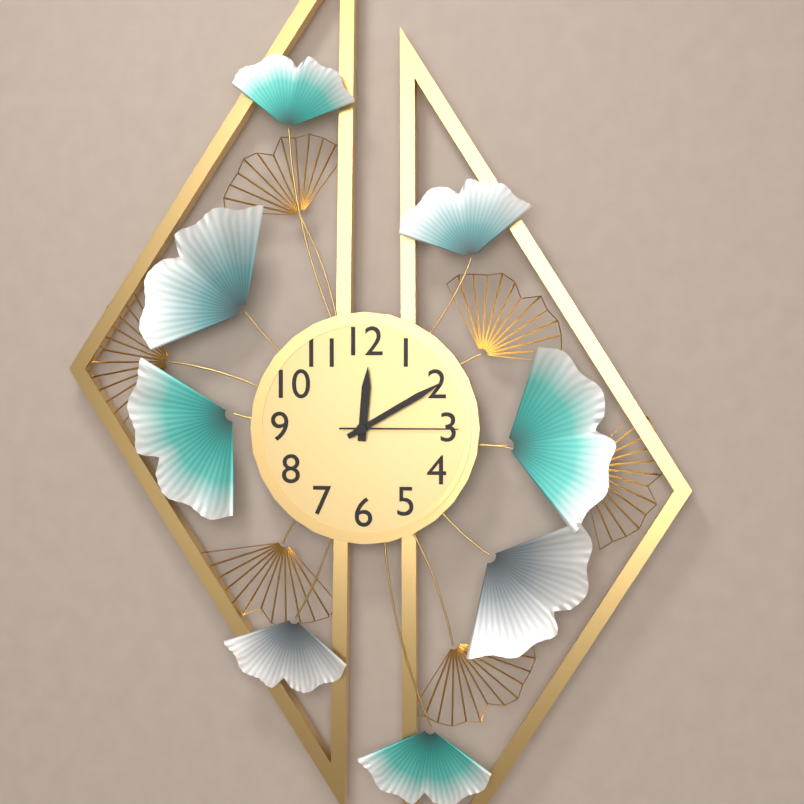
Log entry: {"hour": 12, "minute": 10, "second": 15}
